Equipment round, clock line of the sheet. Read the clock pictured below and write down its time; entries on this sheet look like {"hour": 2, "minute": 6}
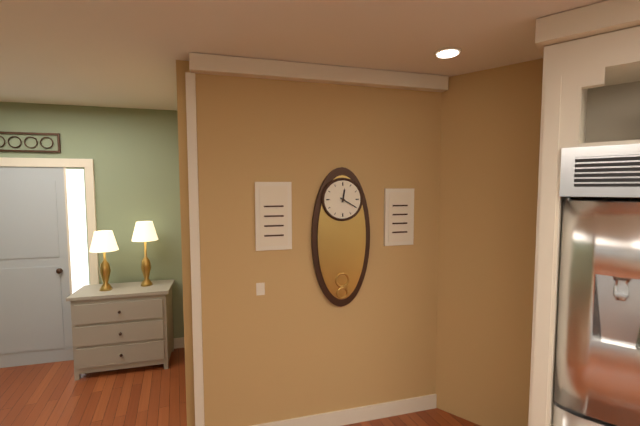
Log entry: {"hour": 12, "minute": 20}
